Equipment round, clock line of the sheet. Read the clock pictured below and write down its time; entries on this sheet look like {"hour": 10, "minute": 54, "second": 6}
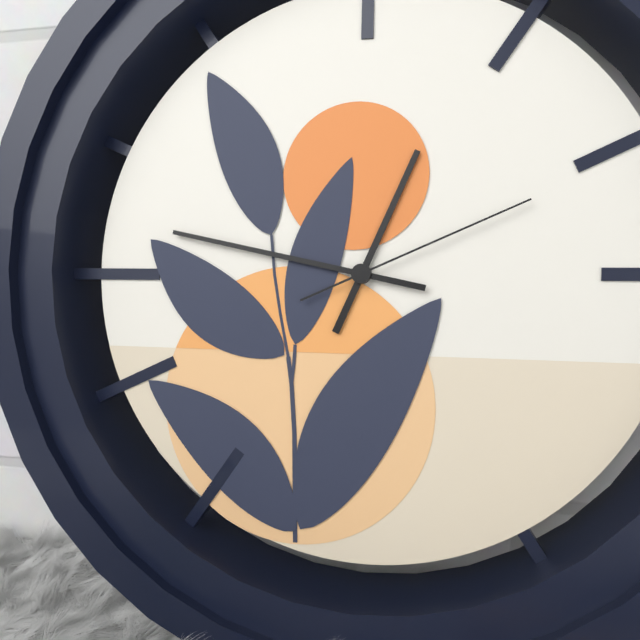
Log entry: {"hour": 12, "minute": 47, "second": 11}
